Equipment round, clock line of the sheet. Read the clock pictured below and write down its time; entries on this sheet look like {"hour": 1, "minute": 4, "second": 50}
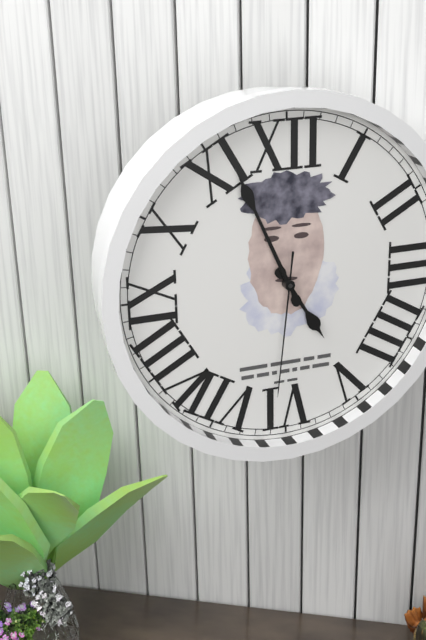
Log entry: {"hour": 4, "minute": 56, "second": 31}
